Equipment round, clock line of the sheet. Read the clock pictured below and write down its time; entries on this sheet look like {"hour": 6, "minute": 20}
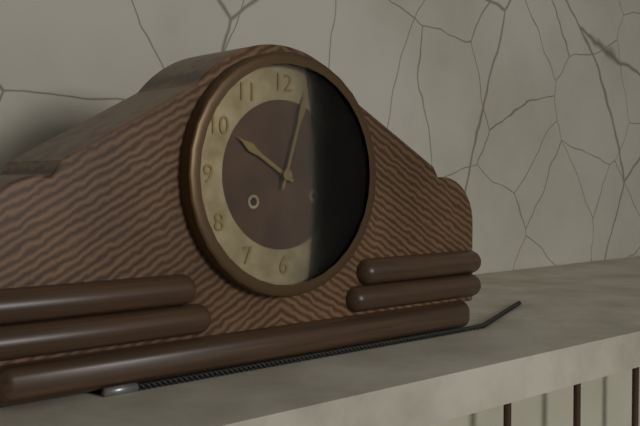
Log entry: {"hour": 10, "minute": 3}
